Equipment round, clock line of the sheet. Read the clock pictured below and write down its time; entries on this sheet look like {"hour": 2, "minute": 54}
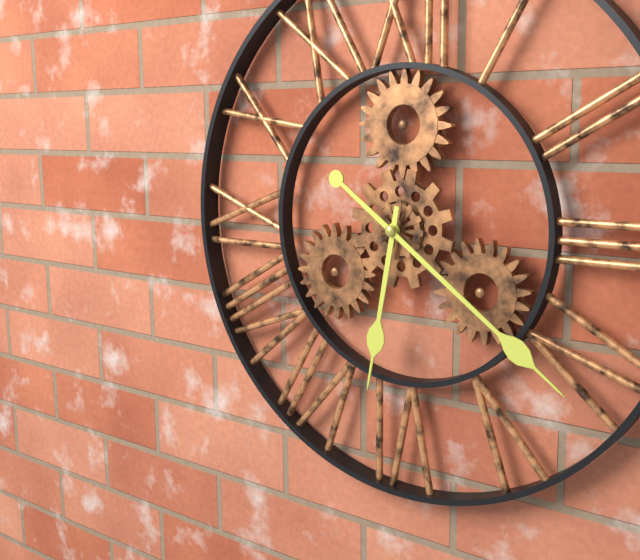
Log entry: {"hour": 6, "minute": 21}
